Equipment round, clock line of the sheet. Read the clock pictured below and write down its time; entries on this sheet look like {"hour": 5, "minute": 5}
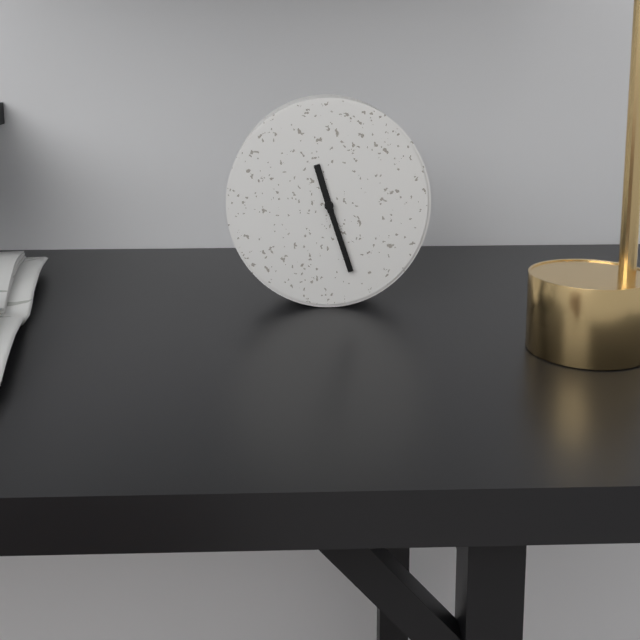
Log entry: {"hour": 11, "minute": 27}
